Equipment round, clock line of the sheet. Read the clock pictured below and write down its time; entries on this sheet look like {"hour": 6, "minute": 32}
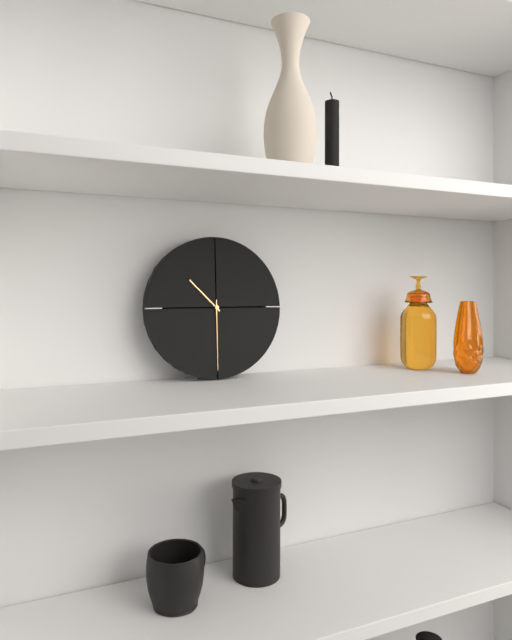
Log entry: {"hour": 10, "minute": 30}
